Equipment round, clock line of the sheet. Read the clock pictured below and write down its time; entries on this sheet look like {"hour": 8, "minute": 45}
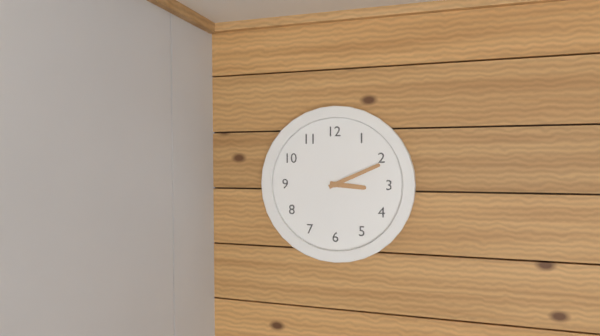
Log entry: {"hour": 3, "minute": 11}
